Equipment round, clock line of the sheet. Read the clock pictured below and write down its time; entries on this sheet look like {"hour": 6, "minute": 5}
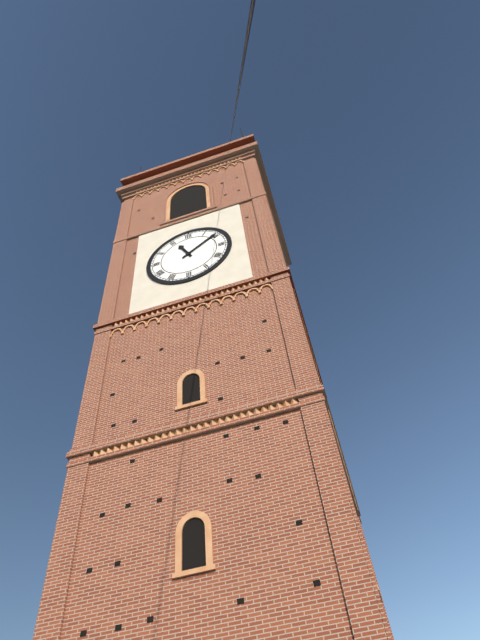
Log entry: {"hour": 11, "minute": 9}
